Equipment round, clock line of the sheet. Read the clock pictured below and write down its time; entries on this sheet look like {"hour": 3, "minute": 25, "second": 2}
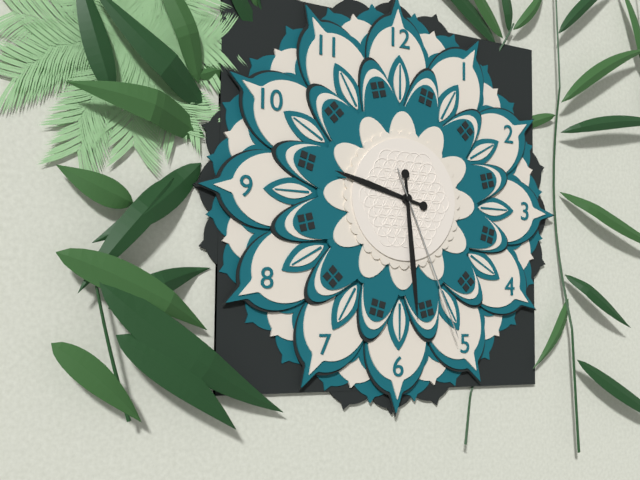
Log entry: {"hour": 9, "minute": 29, "second": 26}
